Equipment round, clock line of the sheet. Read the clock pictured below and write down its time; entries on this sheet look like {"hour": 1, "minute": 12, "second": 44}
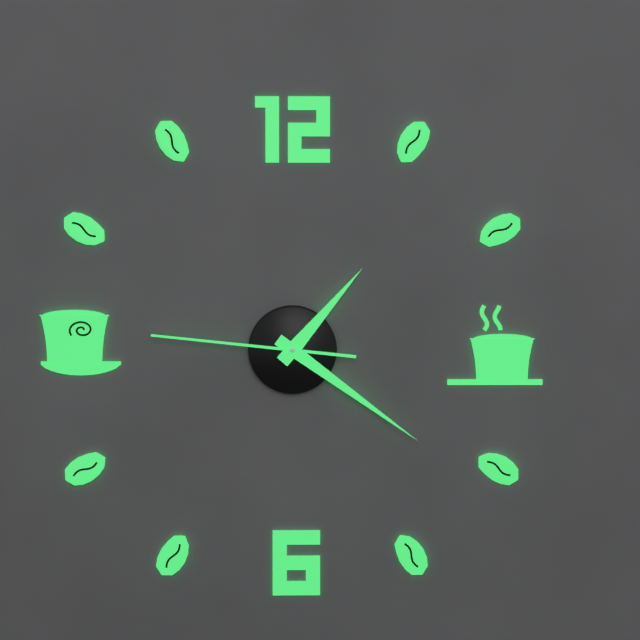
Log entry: {"hour": 1, "minute": 21, "second": 46}
